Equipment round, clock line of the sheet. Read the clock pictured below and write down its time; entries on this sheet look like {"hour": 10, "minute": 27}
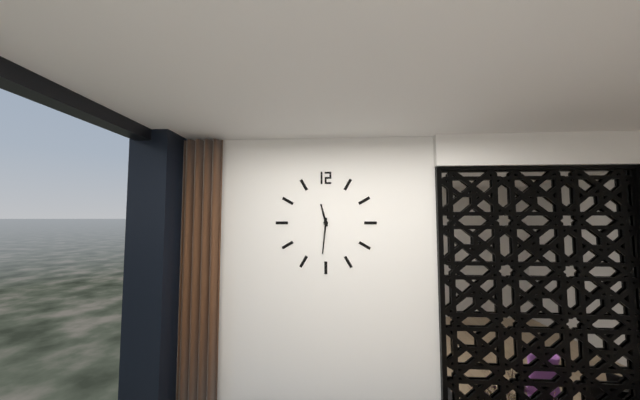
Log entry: {"hour": 11, "minute": 31}
